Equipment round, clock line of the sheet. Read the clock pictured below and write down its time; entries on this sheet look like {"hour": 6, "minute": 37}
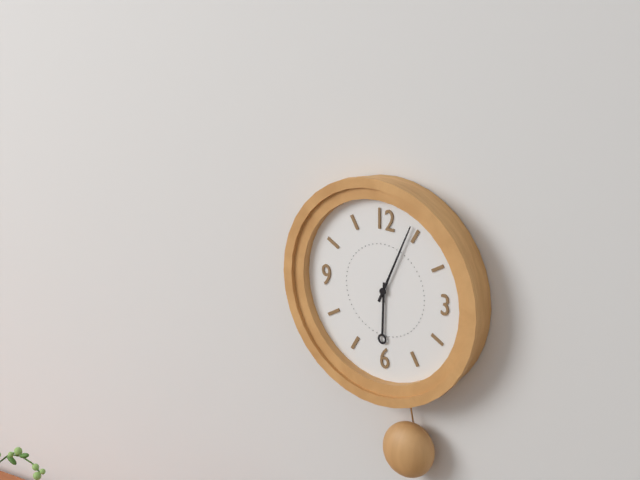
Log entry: {"hour": 6, "minute": 4}
